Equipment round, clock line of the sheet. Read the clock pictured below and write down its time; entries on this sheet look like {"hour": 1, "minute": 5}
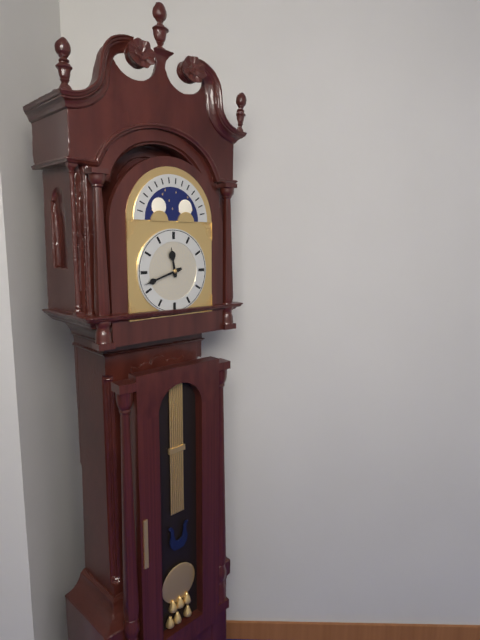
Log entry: {"hour": 11, "minute": 42}
